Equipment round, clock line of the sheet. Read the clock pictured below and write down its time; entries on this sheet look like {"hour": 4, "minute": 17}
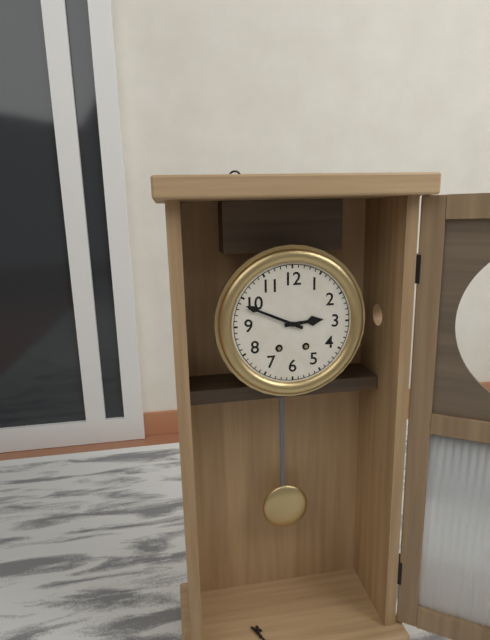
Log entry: {"hour": 2, "minute": 49}
